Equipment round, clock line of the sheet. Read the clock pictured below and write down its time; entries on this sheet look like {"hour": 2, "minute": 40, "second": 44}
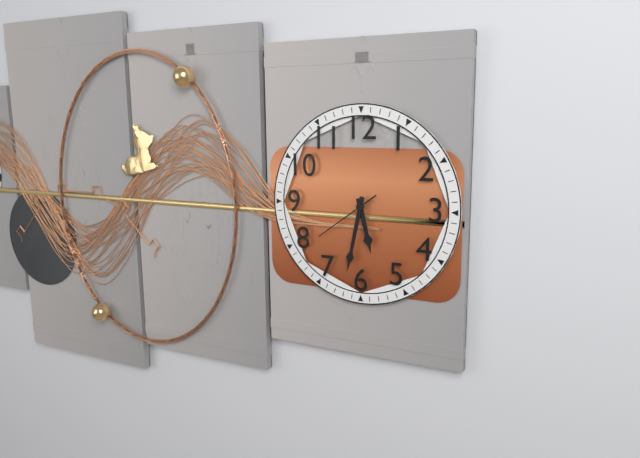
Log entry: {"hour": 5, "minute": 32, "second": 39}
